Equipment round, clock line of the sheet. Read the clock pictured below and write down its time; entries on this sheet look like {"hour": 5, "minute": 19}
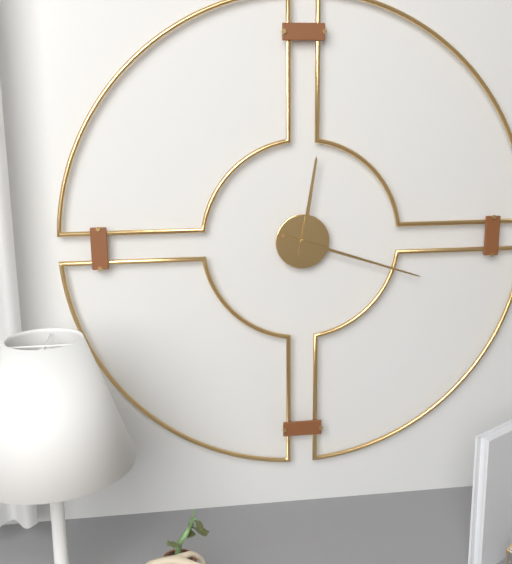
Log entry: {"hour": 12, "minute": 18}
